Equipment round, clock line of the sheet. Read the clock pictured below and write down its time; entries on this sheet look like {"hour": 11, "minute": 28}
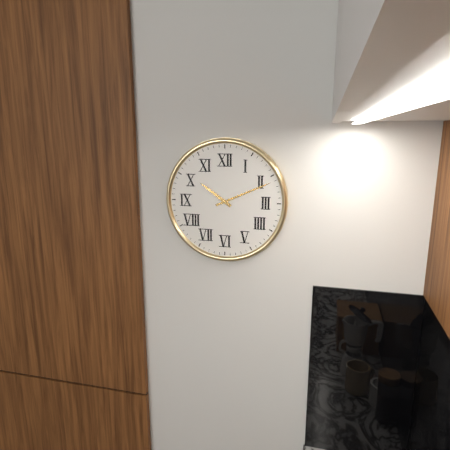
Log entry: {"hour": 10, "minute": 11}
